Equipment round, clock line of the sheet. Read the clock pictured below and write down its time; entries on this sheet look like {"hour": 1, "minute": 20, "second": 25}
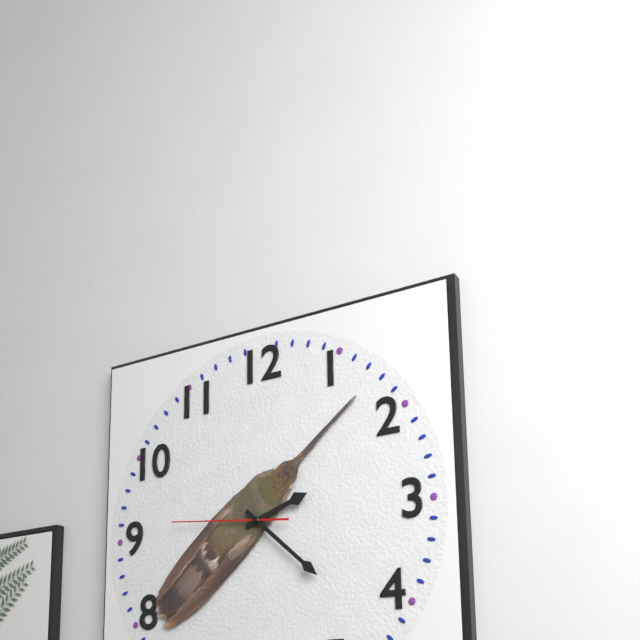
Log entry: {"hour": 2, "minute": 22, "second": 46}
